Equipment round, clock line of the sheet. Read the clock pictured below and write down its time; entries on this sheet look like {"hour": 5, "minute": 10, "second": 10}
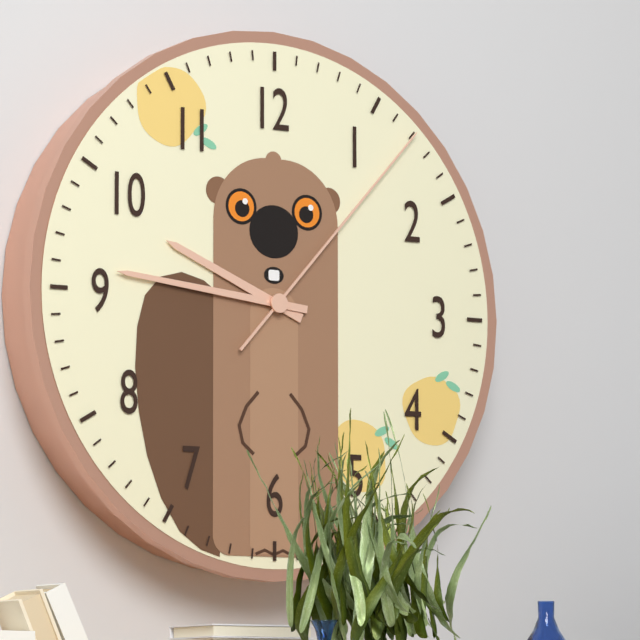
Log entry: {"hour": 9, "minute": 46, "second": 7}
